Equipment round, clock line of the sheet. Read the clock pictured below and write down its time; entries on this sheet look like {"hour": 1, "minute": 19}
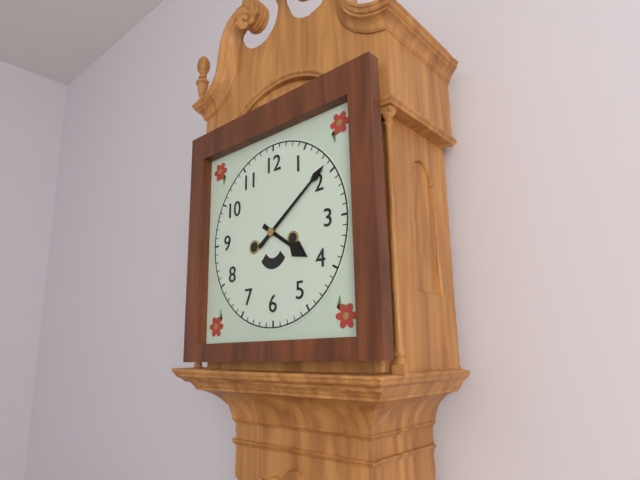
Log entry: {"hour": 4, "minute": 9}
